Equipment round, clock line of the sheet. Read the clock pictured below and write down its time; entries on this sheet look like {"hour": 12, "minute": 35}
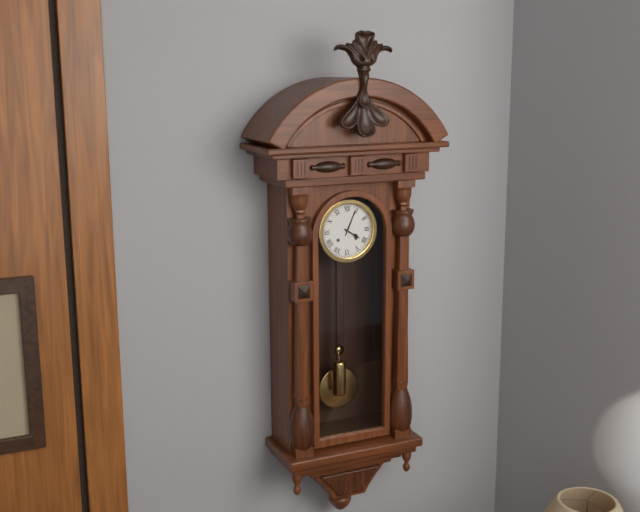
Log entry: {"hour": 4, "minute": 4}
